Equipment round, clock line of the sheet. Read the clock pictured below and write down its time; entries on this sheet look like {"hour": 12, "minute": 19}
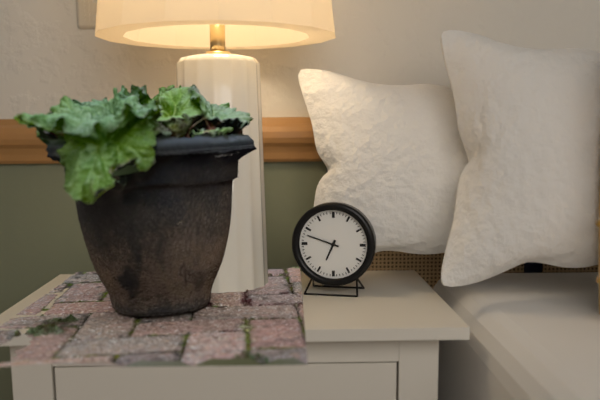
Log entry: {"hour": 6, "minute": 48}
